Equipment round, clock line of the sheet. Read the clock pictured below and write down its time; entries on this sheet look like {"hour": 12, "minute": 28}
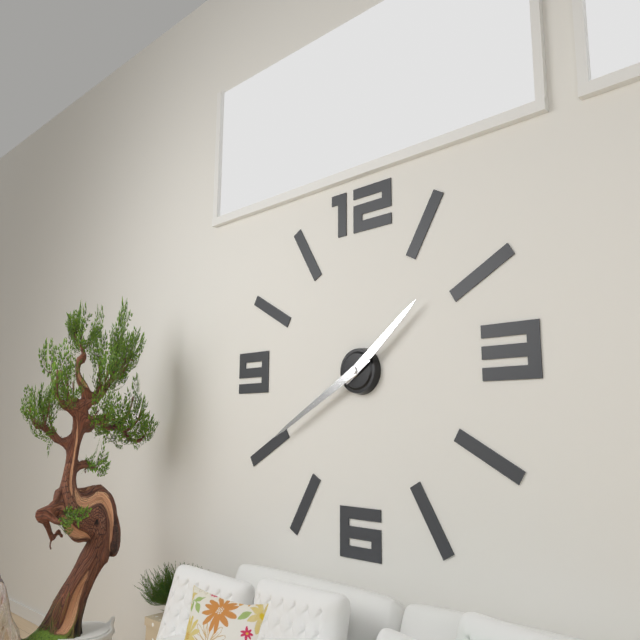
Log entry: {"hour": 1, "minute": 40}
